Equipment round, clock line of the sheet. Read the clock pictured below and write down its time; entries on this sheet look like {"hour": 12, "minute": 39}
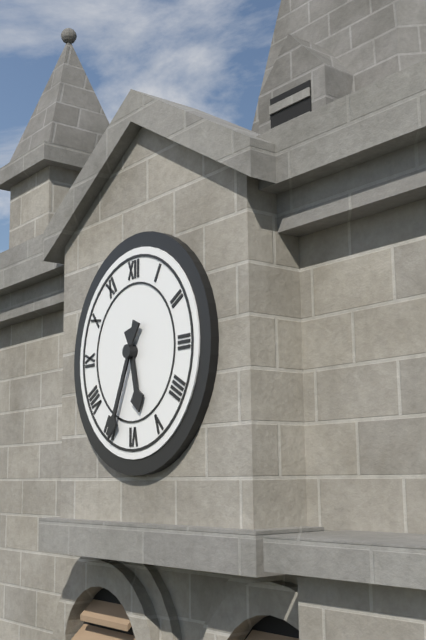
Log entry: {"hour": 5, "minute": 34}
